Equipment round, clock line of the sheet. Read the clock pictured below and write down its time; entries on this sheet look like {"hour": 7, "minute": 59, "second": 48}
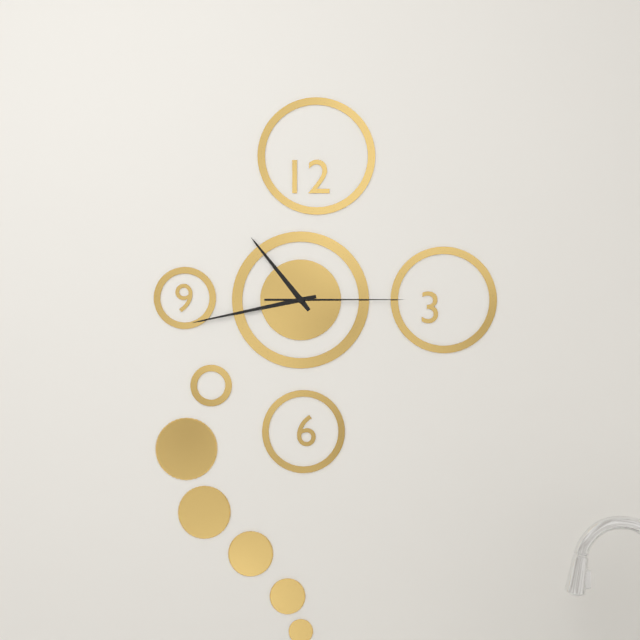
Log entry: {"hour": 10, "minute": 43, "second": 15}
